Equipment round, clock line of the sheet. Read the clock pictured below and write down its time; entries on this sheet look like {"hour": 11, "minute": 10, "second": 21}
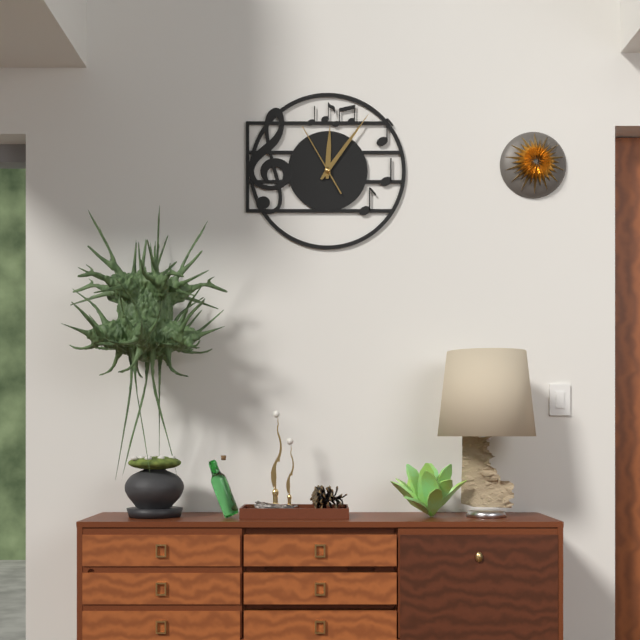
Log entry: {"hour": 12, "minute": 6, "second": 55}
